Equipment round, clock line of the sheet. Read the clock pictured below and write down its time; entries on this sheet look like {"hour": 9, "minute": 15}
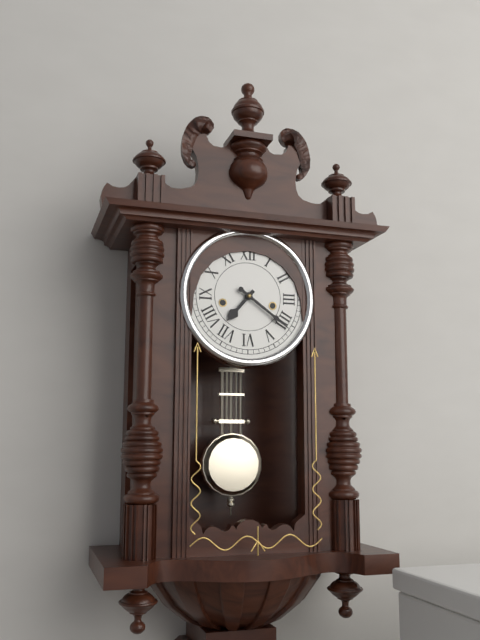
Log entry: {"hour": 7, "minute": 21}
